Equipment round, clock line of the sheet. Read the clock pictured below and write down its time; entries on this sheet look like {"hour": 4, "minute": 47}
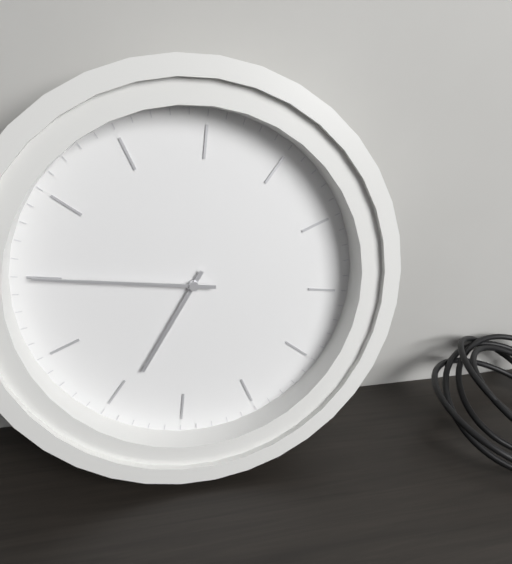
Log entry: {"hour": 7, "minute": 50}
